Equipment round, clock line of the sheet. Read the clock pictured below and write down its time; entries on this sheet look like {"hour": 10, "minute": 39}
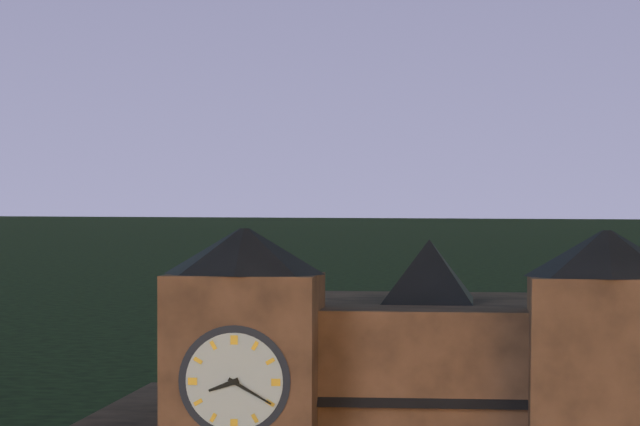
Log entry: {"hour": 8, "minute": 20}
